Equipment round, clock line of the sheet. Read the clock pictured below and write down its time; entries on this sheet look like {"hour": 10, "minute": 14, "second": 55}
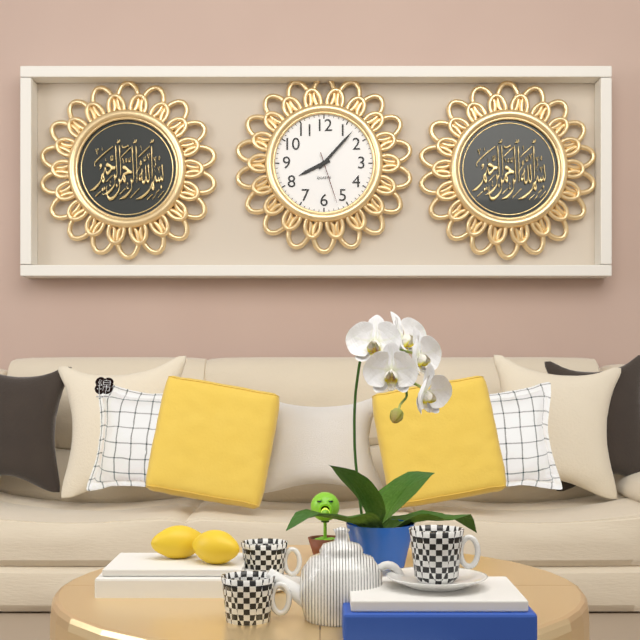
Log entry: {"hour": 8, "minute": 7, "second": 27}
